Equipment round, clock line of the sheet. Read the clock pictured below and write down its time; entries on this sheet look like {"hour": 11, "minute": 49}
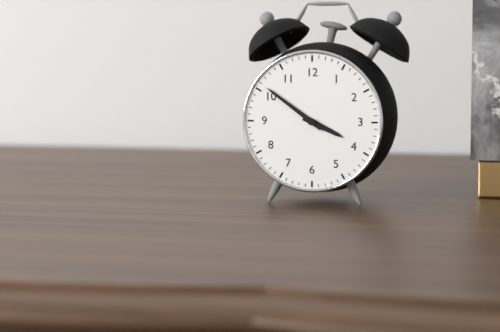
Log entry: {"hour": 3, "minute": 51}
